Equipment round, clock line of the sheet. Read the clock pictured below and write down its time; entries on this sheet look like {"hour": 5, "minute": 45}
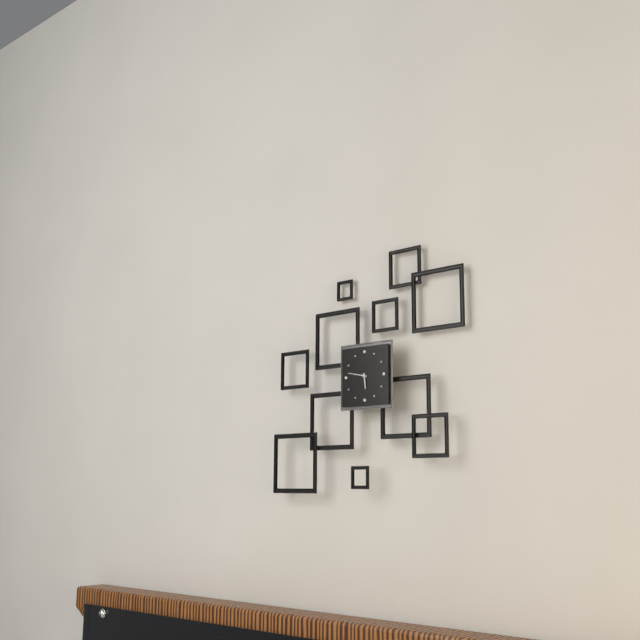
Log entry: {"hour": 5, "minute": 47}
